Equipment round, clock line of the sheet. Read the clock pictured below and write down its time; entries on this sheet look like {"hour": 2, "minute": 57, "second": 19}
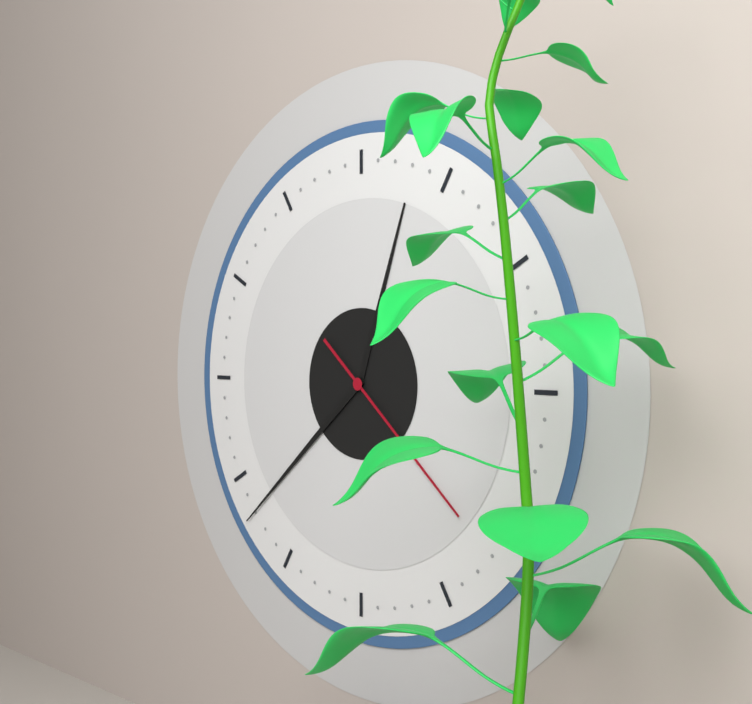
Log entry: {"hour": 12, "minute": 38, "second": 22}
